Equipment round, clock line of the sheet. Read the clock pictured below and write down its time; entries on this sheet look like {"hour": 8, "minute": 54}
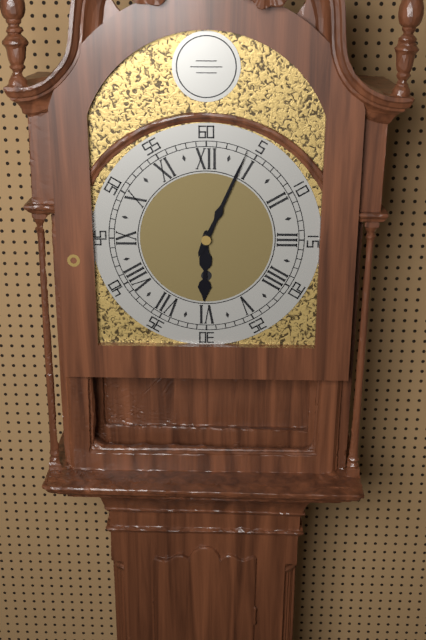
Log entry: {"hour": 6, "minute": 4}
